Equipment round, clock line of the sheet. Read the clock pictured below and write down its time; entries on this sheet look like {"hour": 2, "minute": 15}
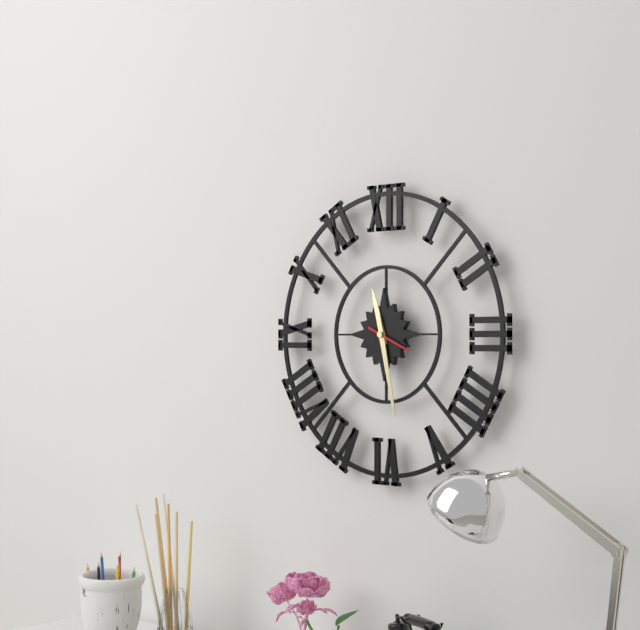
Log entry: {"hour": 11, "minute": 28}
